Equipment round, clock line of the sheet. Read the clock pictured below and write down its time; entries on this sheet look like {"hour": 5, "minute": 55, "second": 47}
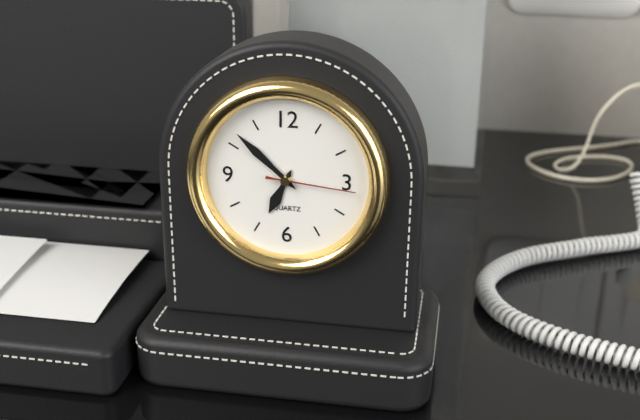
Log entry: {"hour": 6, "minute": 52, "second": 16}
